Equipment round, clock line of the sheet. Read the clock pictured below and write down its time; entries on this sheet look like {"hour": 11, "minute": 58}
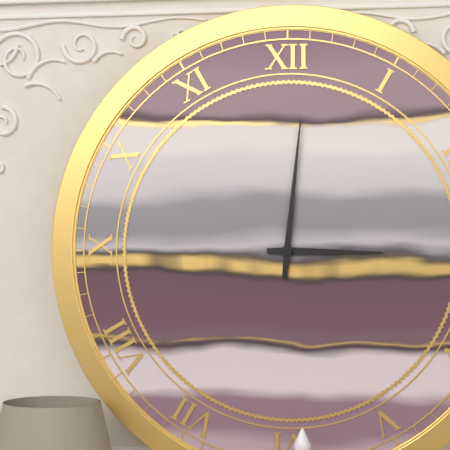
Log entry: {"hour": 3, "minute": 1}
